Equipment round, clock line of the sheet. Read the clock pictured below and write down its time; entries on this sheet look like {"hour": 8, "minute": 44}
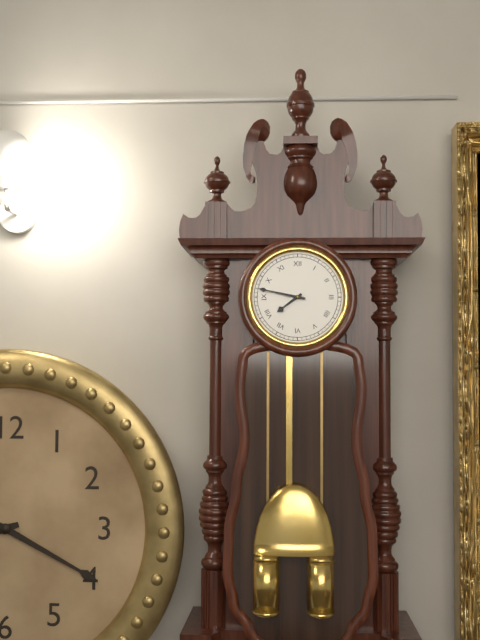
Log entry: {"hour": 7, "minute": 47}
